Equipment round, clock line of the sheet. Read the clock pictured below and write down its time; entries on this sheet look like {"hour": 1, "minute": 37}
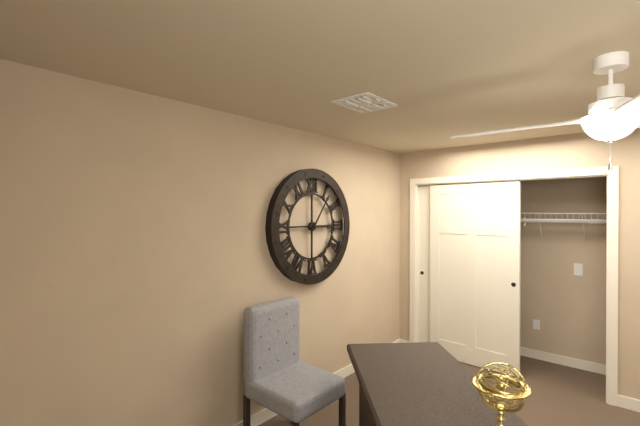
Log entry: {"hour": 3, "minute": 6}
